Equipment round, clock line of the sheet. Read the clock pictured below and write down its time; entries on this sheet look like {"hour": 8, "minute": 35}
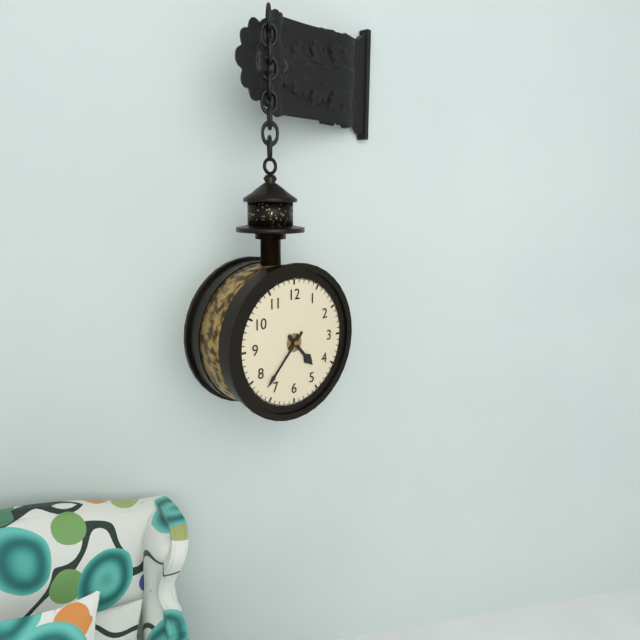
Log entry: {"hour": 4, "minute": 37}
